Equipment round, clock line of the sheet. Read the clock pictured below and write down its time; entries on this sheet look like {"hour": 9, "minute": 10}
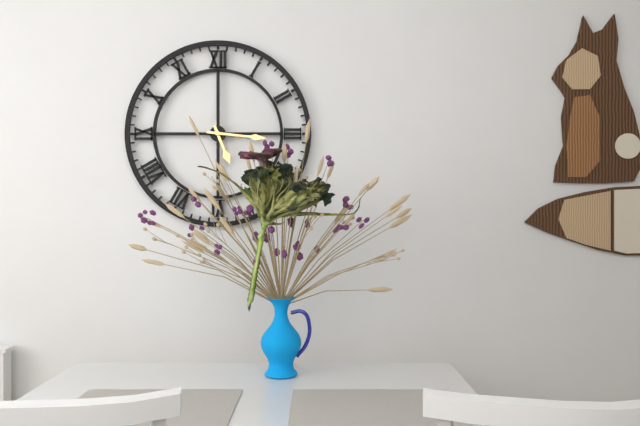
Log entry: {"hour": 5, "minute": 16}
